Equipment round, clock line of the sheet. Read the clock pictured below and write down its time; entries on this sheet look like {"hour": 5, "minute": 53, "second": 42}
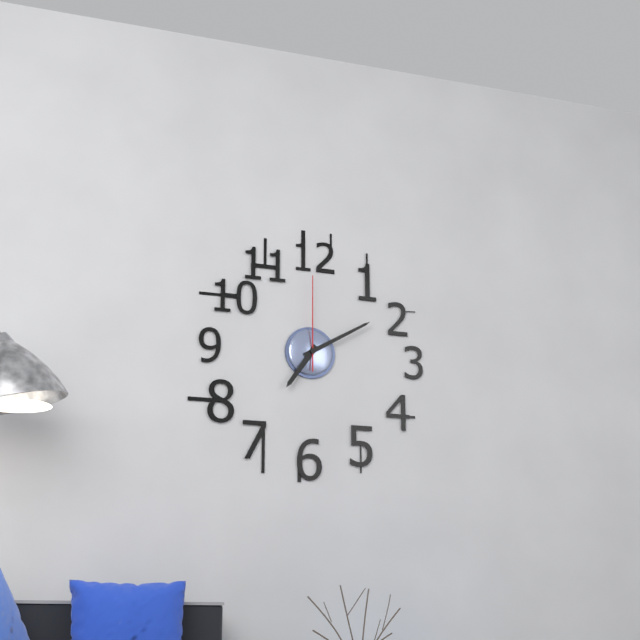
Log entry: {"hour": 7, "minute": 10, "second": 0}
